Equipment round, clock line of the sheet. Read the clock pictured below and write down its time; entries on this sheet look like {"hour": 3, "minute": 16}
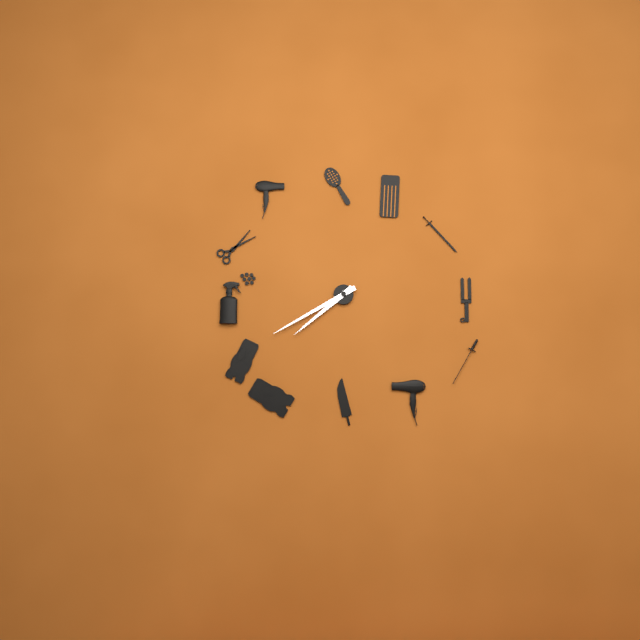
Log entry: {"hour": 7, "minute": 40}
